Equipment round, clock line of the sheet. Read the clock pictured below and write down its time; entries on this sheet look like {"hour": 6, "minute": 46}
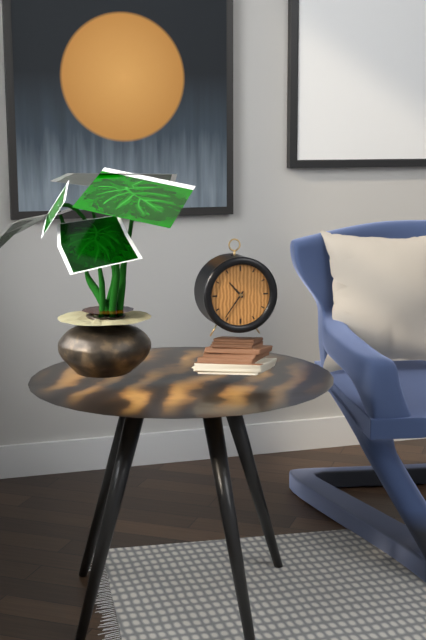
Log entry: {"hour": 10, "minute": 36}
